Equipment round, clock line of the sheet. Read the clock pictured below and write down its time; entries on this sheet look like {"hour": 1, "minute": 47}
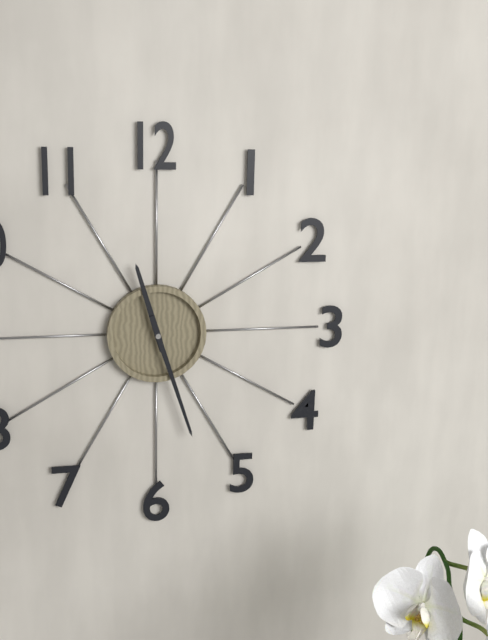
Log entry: {"hour": 11, "minute": 27}
